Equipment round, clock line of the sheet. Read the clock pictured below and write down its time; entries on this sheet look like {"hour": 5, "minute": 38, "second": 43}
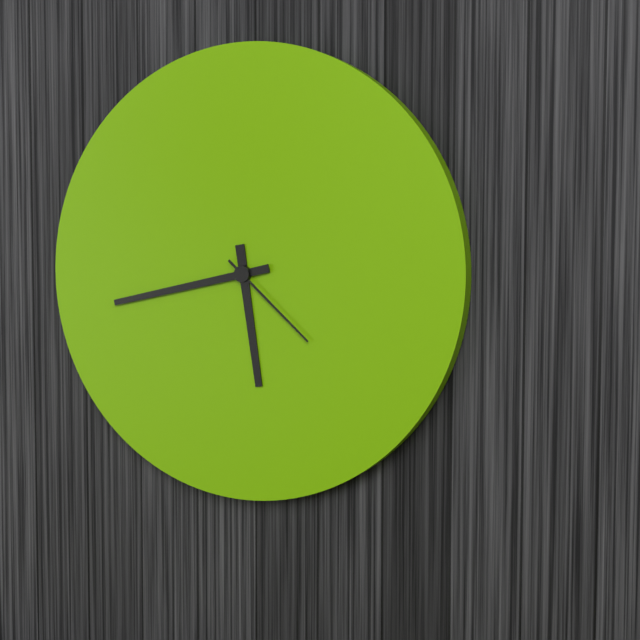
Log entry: {"hour": 5, "minute": 43, "second": 22}
